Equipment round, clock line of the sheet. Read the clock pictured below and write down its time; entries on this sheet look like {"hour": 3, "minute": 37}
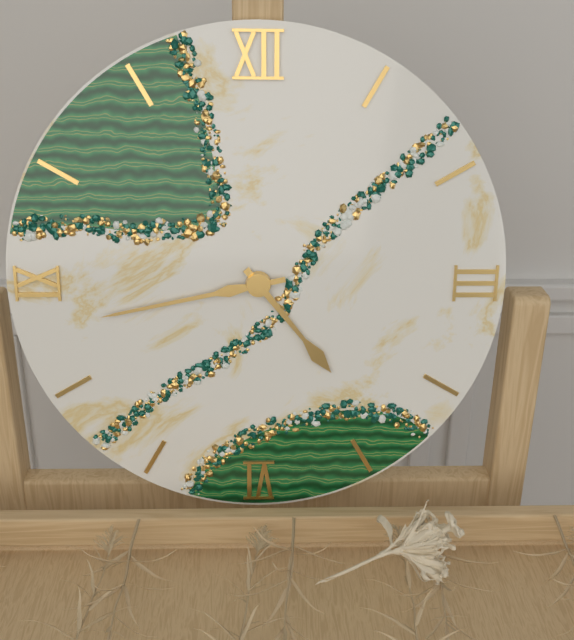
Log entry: {"hour": 4, "minute": 43}
